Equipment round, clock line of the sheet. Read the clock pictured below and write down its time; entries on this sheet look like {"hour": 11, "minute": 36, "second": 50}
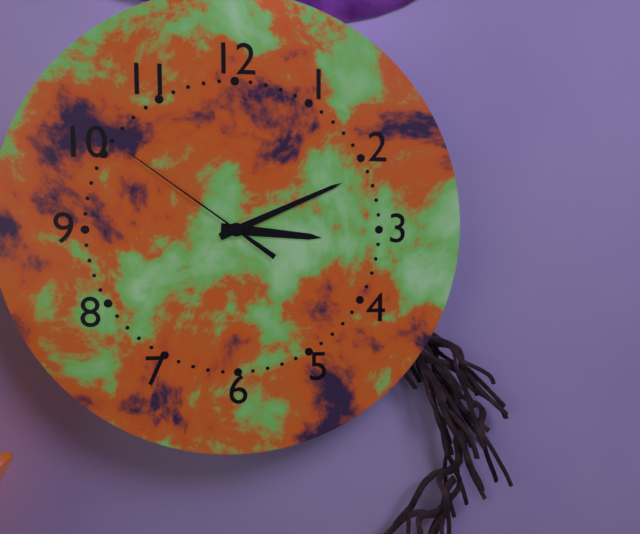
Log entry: {"hour": 3, "minute": 11, "second": 51}
